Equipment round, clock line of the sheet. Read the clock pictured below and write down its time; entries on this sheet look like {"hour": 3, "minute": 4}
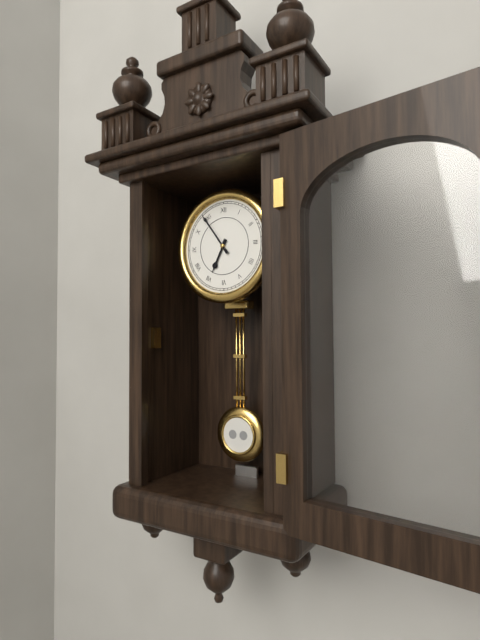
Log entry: {"hour": 6, "minute": 54}
